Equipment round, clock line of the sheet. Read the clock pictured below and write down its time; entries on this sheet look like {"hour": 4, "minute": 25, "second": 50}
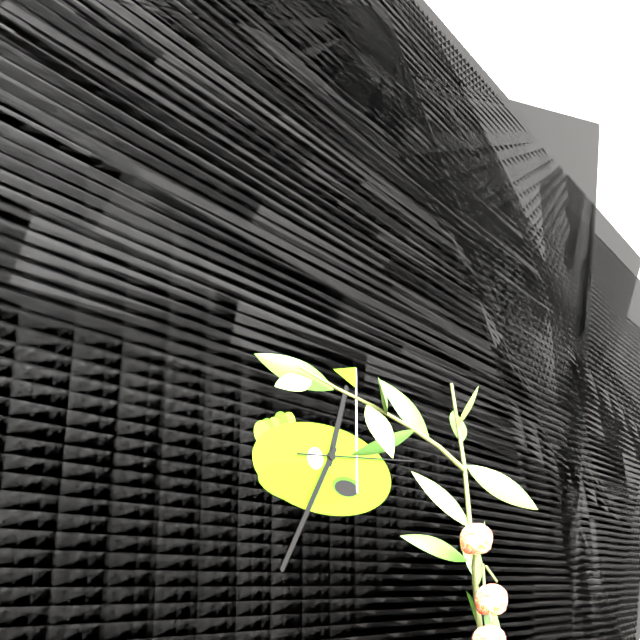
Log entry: {"hour": 12, "minute": 35, "second": 14}
